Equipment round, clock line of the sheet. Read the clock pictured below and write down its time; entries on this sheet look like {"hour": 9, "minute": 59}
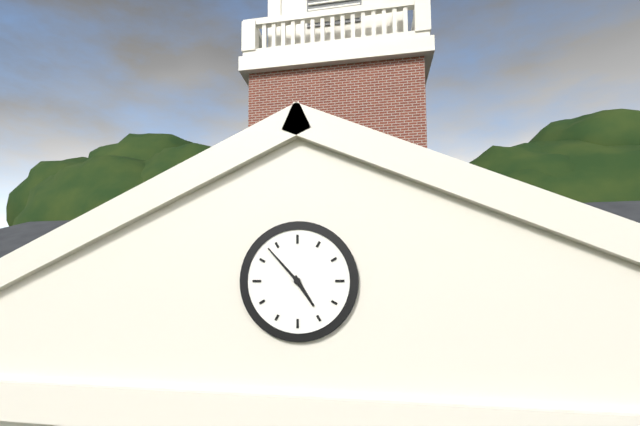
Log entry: {"hour": 4, "minute": 53}
